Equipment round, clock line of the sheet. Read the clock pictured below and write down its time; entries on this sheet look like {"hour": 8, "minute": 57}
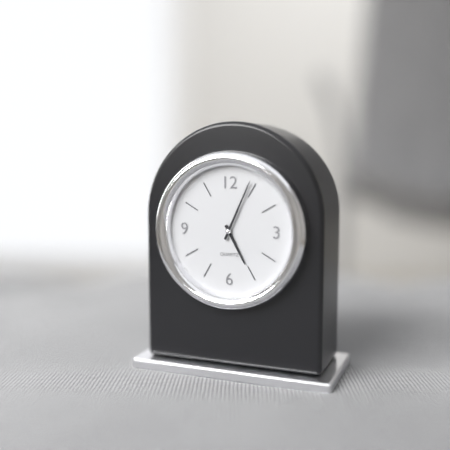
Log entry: {"hour": 5, "minute": 4}
